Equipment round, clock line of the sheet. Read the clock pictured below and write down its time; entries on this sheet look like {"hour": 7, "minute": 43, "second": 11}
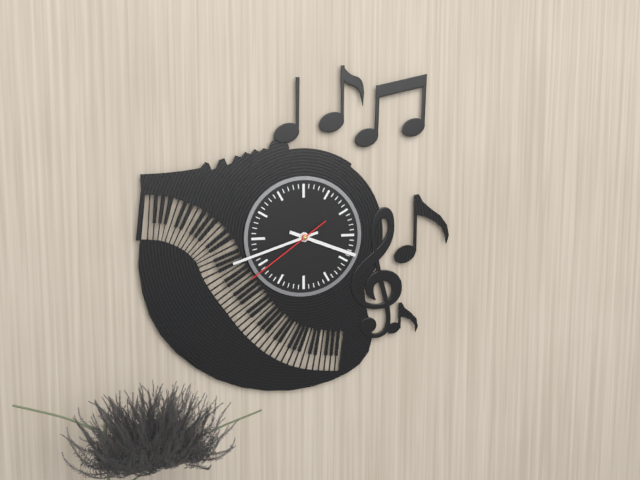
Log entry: {"hour": 3, "minute": 42, "second": 39}
